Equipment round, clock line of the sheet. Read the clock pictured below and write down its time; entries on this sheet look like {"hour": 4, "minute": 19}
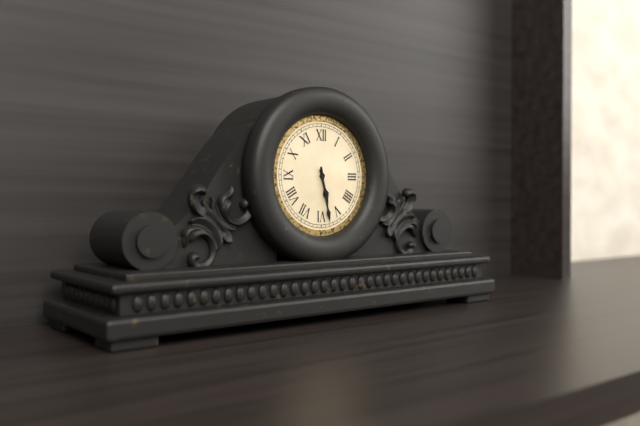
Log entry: {"hour": 5, "minute": 28}
